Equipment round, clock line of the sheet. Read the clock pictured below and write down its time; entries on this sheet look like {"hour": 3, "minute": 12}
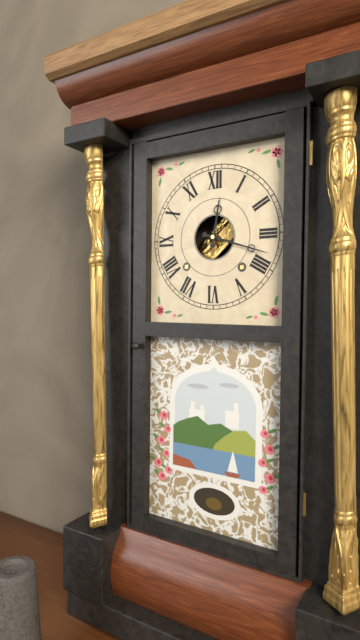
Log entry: {"hour": 12, "minute": 18}
